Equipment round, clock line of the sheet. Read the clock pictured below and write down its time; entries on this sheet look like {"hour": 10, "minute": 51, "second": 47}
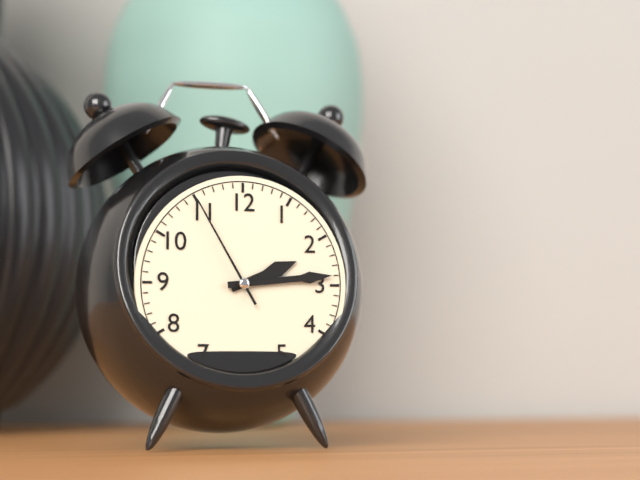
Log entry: {"hour": 2, "minute": 14, "second": 55}
